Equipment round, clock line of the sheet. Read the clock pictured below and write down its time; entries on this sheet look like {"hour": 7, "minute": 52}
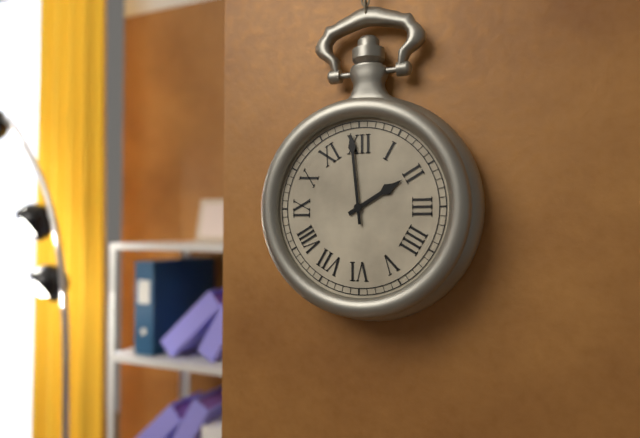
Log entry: {"hour": 1, "minute": 59}
